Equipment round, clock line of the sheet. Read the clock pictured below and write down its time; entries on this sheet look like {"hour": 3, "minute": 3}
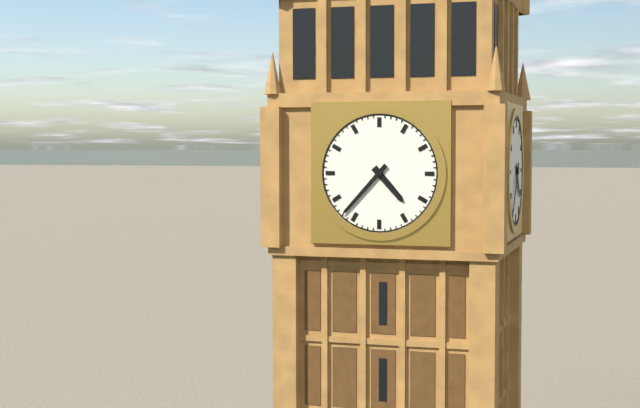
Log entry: {"hour": 4, "minute": 37}
